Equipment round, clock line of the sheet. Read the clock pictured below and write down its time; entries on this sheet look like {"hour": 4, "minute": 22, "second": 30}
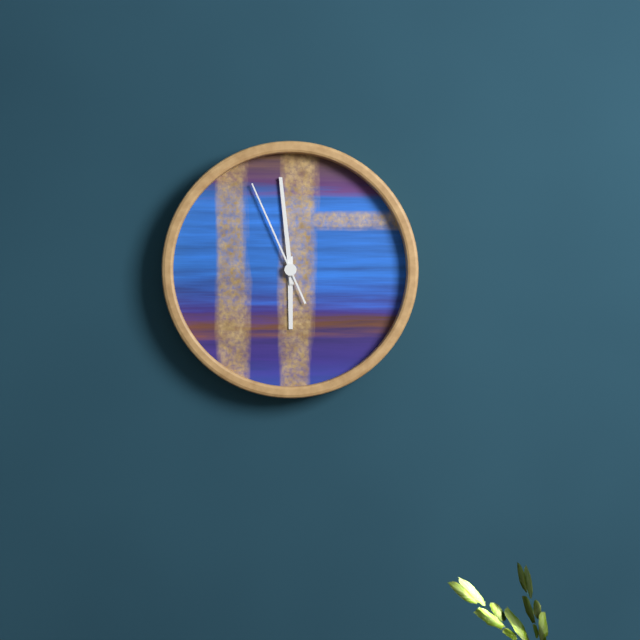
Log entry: {"hour": 5, "minute": 59, "second": 56}
